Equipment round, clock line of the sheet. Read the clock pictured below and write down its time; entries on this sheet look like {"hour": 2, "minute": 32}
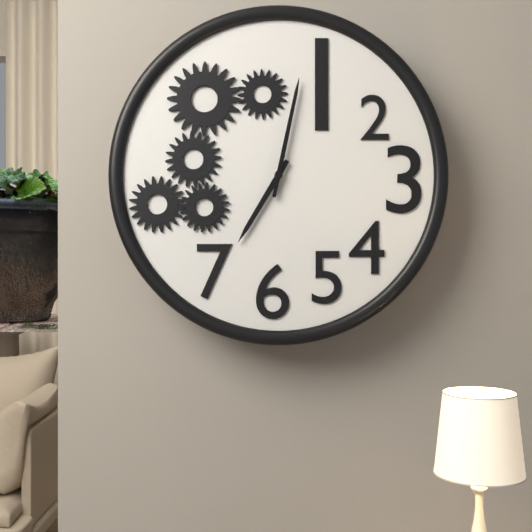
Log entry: {"hour": 7, "minute": 2}
